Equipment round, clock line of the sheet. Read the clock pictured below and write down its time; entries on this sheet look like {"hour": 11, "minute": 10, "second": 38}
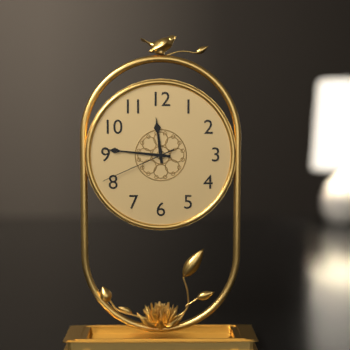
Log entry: {"hour": 11, "minute": 46, "second": 41}
